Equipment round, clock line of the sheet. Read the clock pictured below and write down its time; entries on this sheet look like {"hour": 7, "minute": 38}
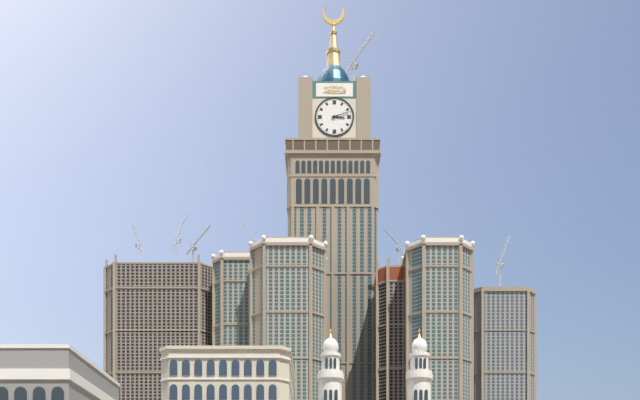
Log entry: {"hour": 3, "minute": 12}
